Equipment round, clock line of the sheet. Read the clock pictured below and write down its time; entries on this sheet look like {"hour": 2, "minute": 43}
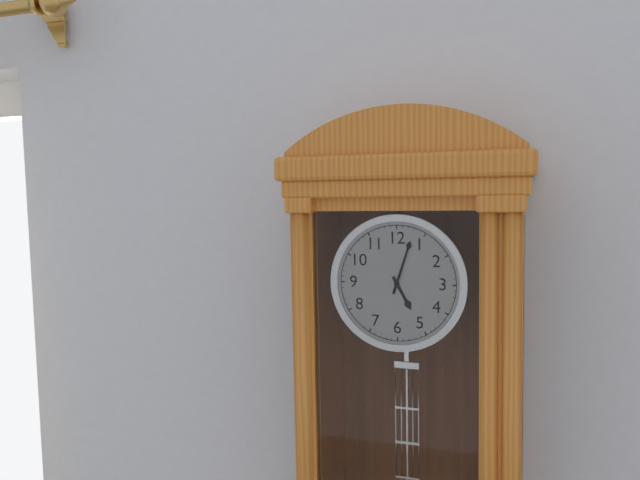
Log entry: {"hour": 5, "minute": 3}
